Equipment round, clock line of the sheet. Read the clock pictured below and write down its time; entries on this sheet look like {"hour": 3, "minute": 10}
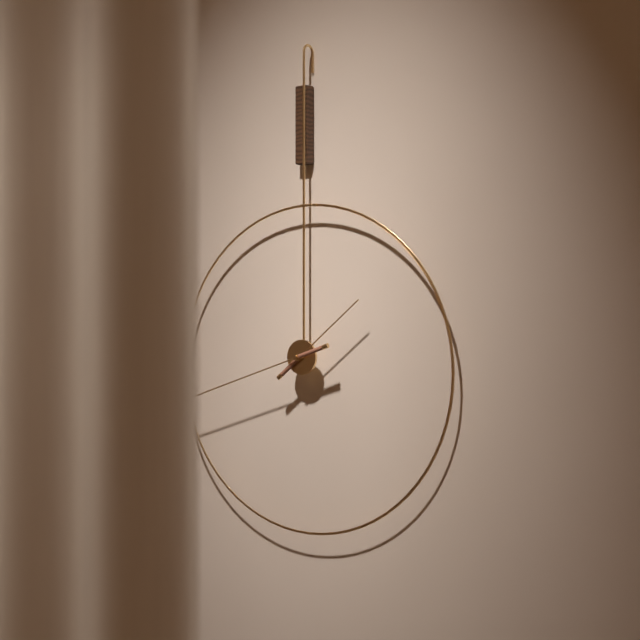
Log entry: {"hour": 1, "minute": 42}
